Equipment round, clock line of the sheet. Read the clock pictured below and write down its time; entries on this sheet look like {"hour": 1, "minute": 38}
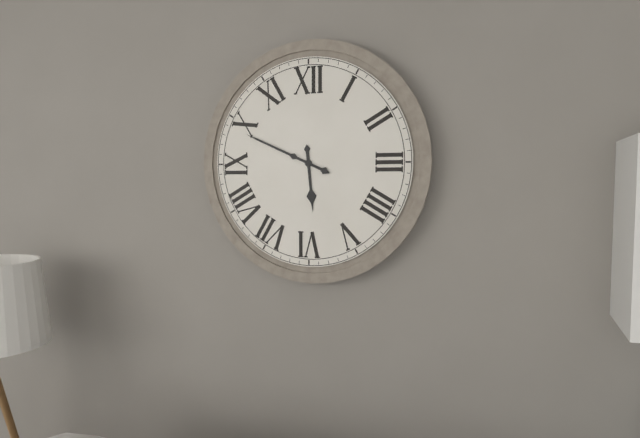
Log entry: {"hour": 5, "minute": 49}
